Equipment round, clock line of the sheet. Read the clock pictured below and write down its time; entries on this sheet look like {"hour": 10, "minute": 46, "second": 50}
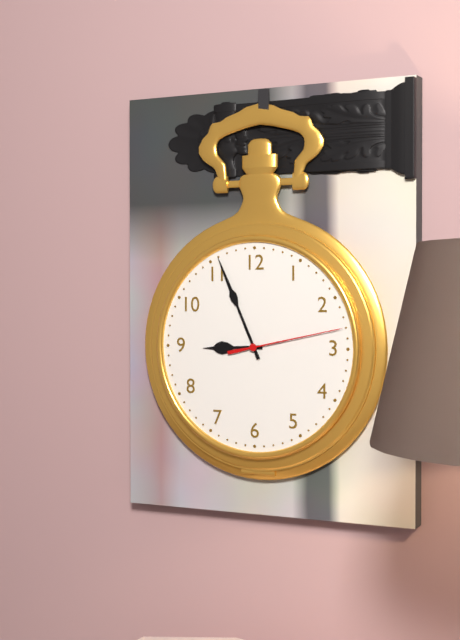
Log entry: {"hour": 8, "minute": 56, "second": 13}
